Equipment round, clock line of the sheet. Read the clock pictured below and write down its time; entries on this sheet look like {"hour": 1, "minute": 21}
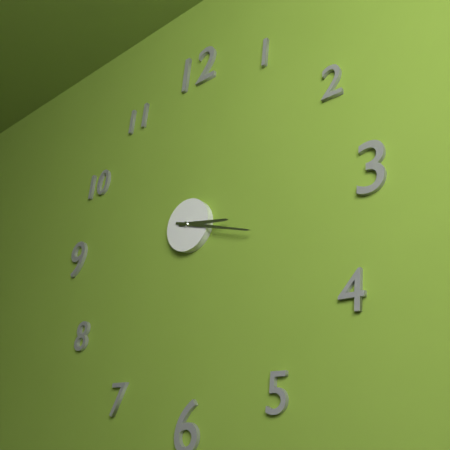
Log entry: {"hour": 3, "minute": 18}
